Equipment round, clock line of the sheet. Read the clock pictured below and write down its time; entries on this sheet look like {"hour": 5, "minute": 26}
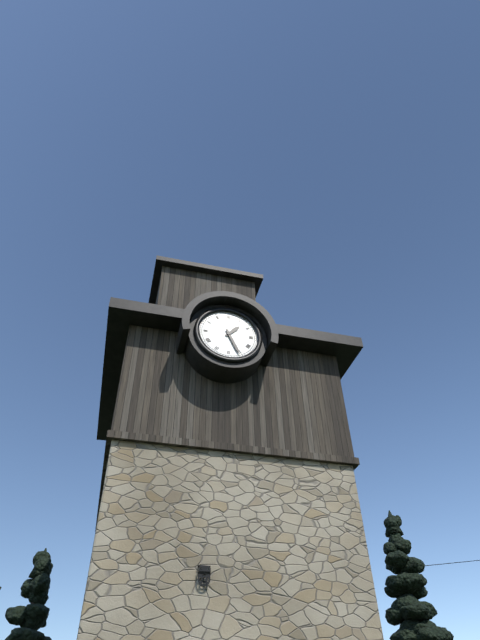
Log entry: {"hour": 1, "minute": 26}
